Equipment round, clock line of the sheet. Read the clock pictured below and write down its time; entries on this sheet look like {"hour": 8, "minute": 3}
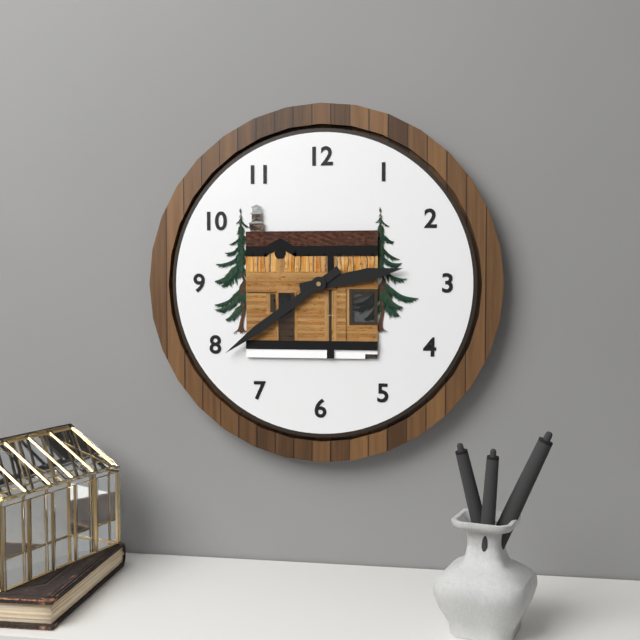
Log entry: {"hour": 2, "minute": 39}
